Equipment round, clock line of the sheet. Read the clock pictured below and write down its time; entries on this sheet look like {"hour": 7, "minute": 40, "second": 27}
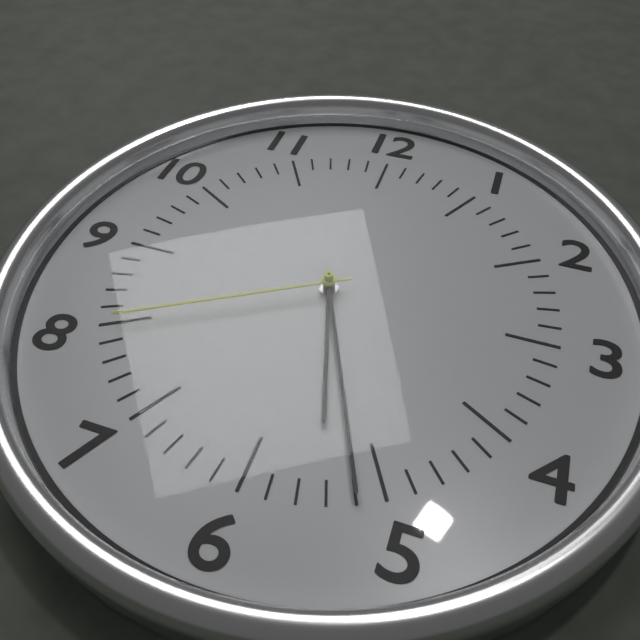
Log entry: {"hour": 5, "minute": 26, "second": 40}
